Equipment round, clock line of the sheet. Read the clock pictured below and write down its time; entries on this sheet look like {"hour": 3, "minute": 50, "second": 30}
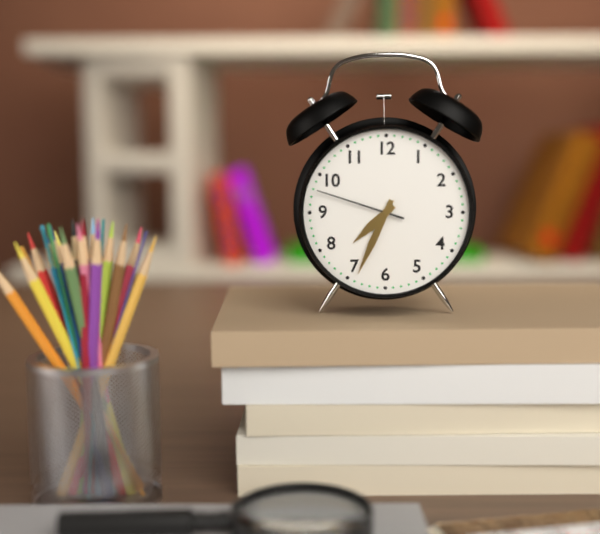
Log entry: {"hour": 7, "minute": 34, "second": 48}
